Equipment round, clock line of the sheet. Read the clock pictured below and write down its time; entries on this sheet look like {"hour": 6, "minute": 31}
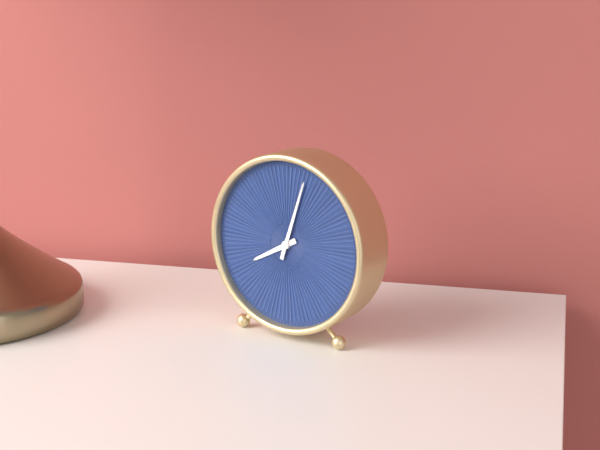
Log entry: {"hour": 8, "minute": 3}
